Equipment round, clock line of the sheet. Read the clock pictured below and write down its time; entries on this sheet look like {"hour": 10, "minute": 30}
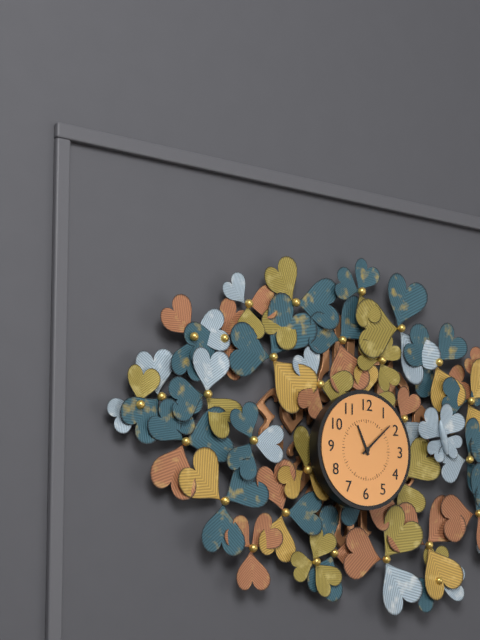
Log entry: {"hour": 11, "minute": 8}
